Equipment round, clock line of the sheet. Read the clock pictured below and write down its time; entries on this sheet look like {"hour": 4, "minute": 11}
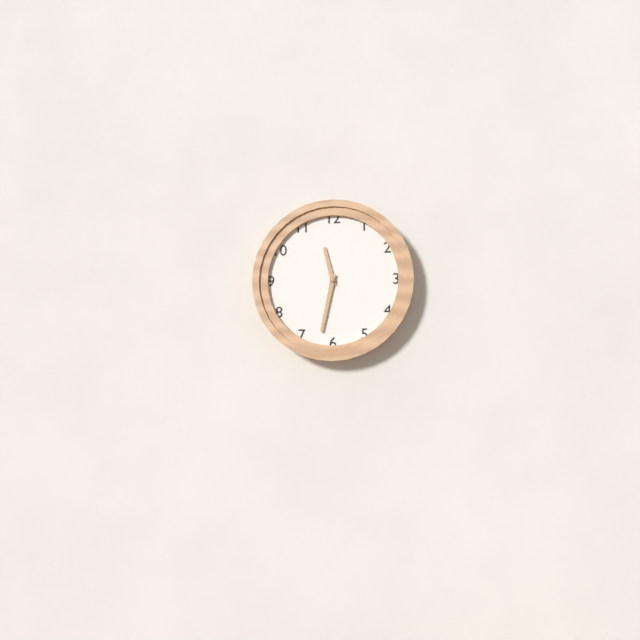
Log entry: {"hour": 11, "minute": 32}
